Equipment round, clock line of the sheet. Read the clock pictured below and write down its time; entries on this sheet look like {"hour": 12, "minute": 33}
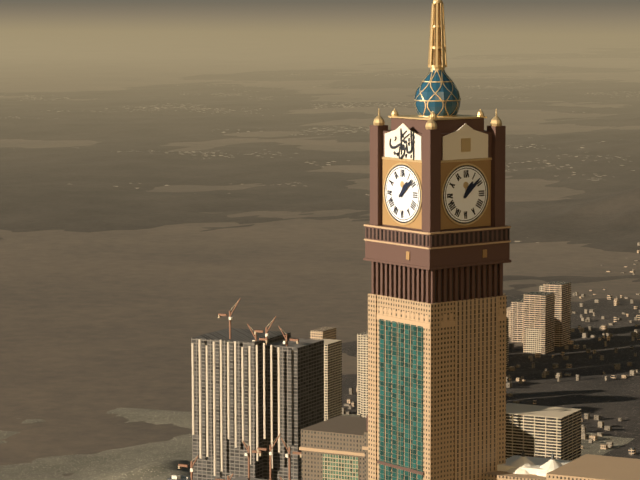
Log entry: {"hour": 1, "minute": 8}
